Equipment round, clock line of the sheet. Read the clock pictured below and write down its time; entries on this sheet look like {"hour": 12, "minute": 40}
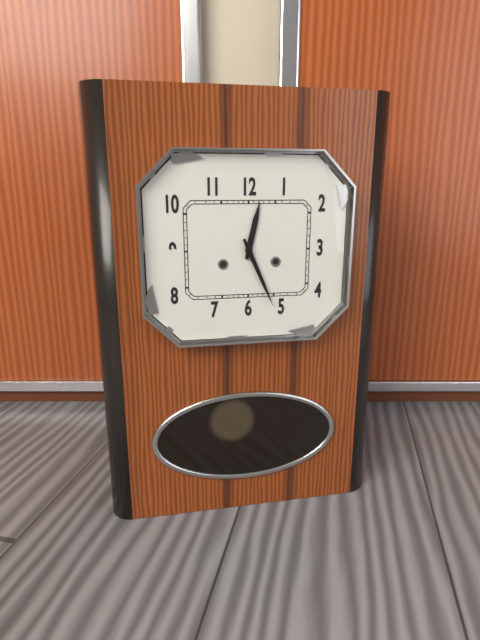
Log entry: {"hour": 12, "minute": 26}
